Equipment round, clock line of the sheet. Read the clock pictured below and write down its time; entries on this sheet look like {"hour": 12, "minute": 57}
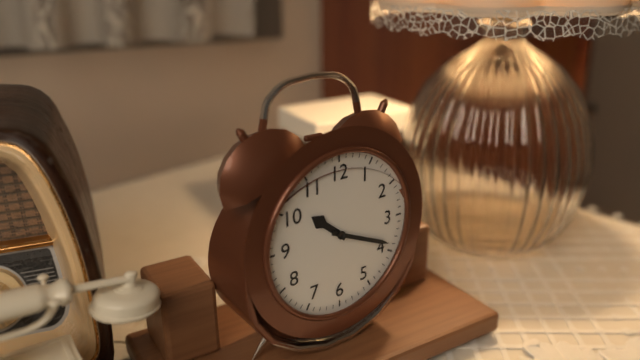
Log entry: {"hour": 10, "minute": 19}
